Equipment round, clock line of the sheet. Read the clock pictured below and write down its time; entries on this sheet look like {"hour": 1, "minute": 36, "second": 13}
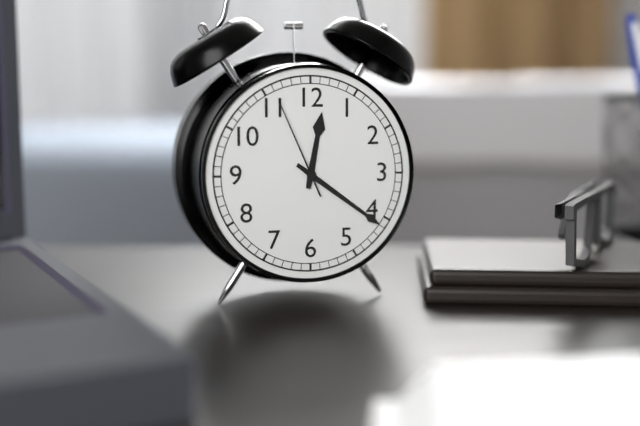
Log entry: {"hour": 12, "minute": 21, "second": 56}
